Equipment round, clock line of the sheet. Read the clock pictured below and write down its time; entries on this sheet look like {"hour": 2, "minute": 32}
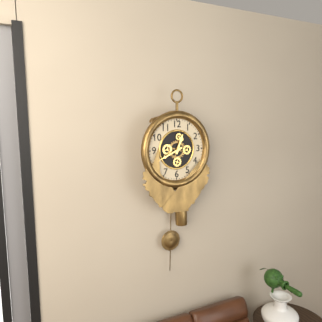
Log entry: {"hour": 12, "minute": 41}
